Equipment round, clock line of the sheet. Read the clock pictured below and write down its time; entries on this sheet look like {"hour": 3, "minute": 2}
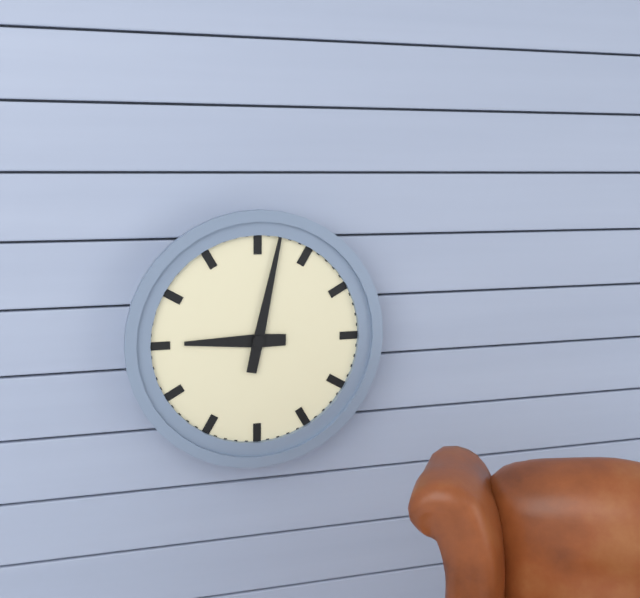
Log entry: {"hour": 9, "minute": 2}
